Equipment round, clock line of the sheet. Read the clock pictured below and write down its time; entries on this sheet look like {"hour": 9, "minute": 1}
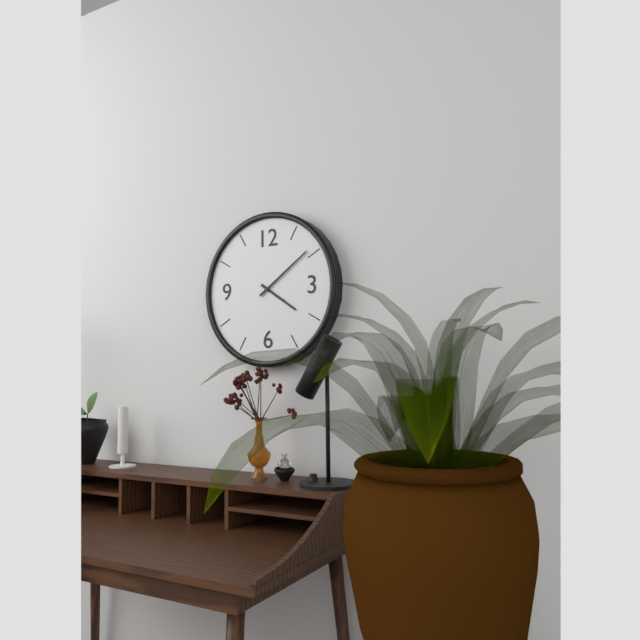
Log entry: {"hour": 4, "minute": 9}
